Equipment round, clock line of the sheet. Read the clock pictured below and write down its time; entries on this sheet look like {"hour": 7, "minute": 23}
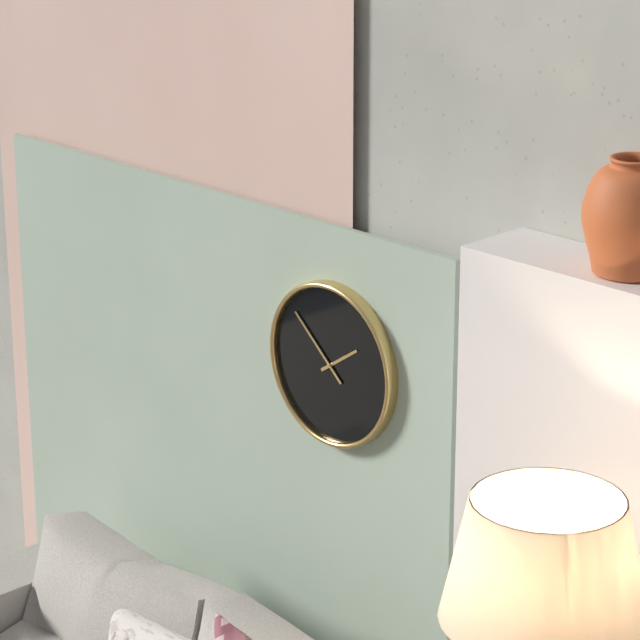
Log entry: {"hour": 1, "minute": 52}
